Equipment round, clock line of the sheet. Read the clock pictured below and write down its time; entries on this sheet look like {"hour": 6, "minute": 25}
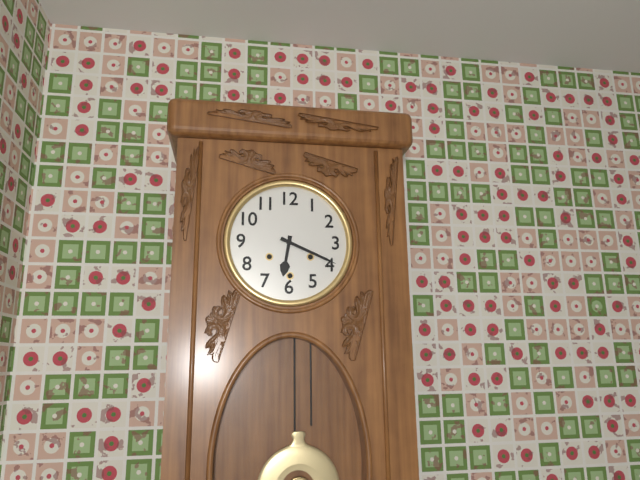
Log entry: {"hour": 6, "minute": 19}
